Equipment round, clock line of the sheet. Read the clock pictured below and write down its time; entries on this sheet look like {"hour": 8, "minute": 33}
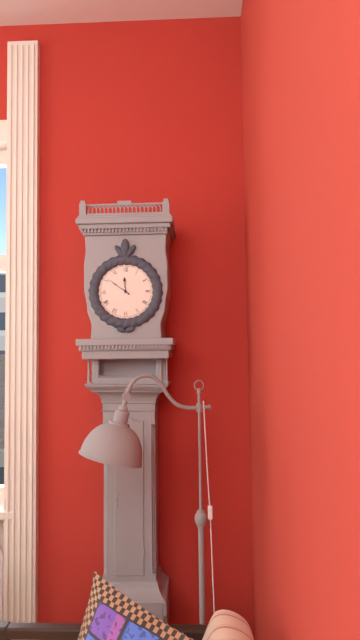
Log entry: {"hour": 11, "minute": 51}
